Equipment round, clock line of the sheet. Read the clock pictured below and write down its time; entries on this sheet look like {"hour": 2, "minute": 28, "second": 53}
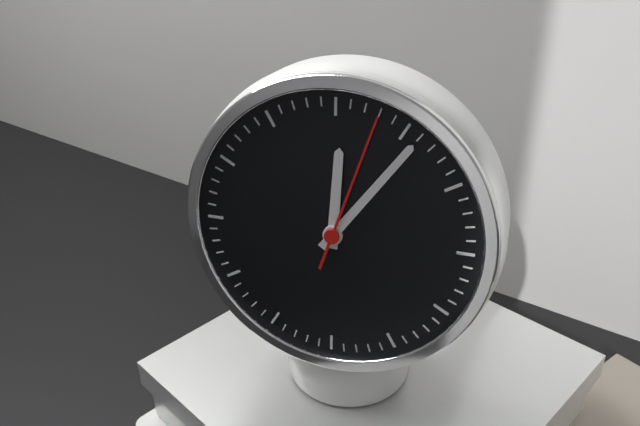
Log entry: {"hour": 12, "minute": 6, "second": 3}
